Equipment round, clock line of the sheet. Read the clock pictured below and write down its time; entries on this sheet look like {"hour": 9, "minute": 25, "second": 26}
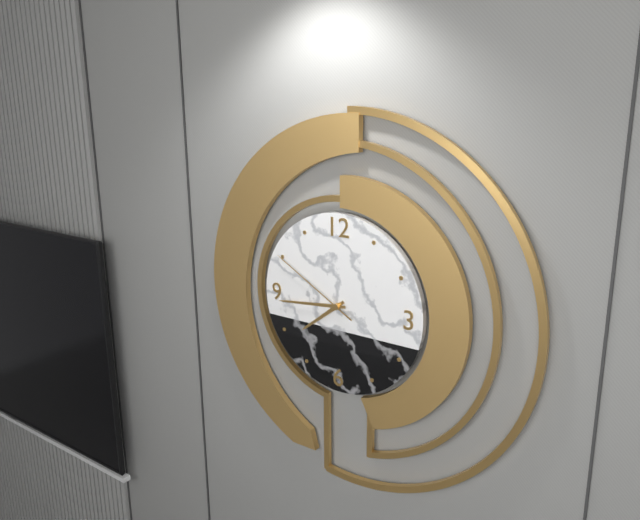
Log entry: {"hour": 7, "minute": 44, "second": 50}
